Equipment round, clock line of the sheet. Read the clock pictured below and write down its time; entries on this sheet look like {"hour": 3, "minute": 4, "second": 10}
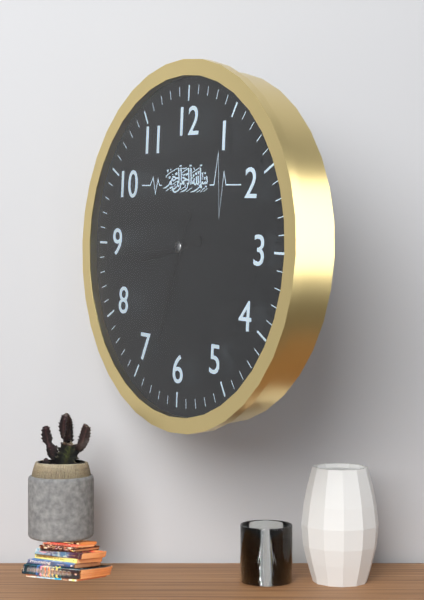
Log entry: {"hour": 8, "minute": 33, "second": 44}
